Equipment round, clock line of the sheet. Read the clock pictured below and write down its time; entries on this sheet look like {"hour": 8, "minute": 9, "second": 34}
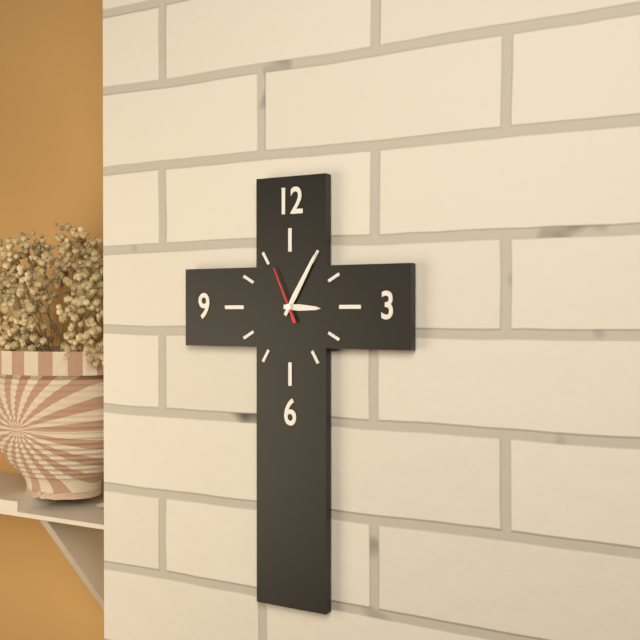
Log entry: {"hour": 3, "minute": 5, "second": 56}
